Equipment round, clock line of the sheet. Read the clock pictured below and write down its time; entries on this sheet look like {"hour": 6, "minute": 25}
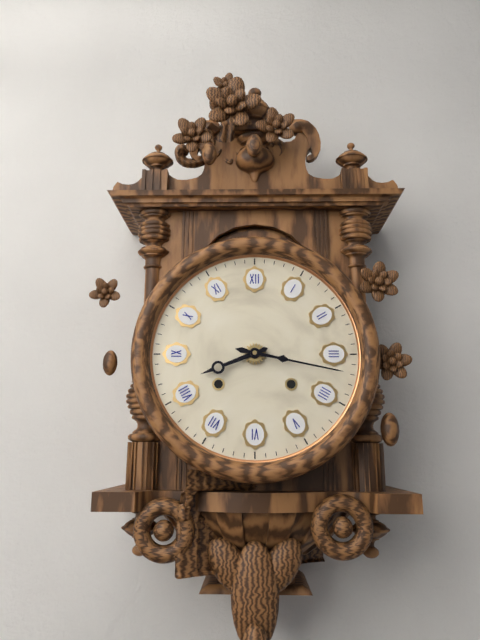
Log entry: {"hour": 8, "minute": 17}
